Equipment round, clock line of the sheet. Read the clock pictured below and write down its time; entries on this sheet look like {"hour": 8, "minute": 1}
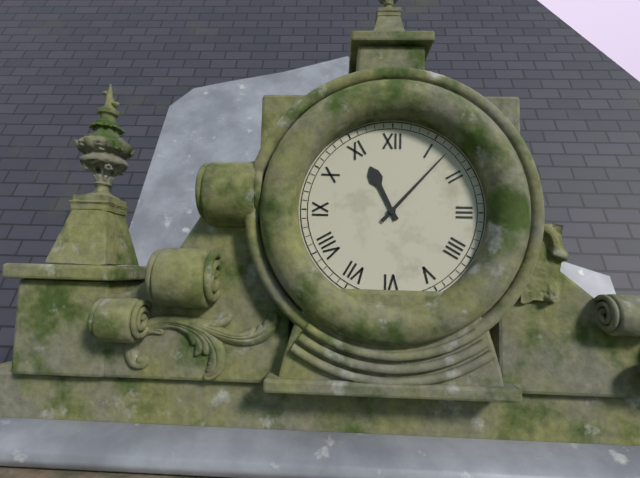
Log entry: {"hour": 11, "minute": 7}
